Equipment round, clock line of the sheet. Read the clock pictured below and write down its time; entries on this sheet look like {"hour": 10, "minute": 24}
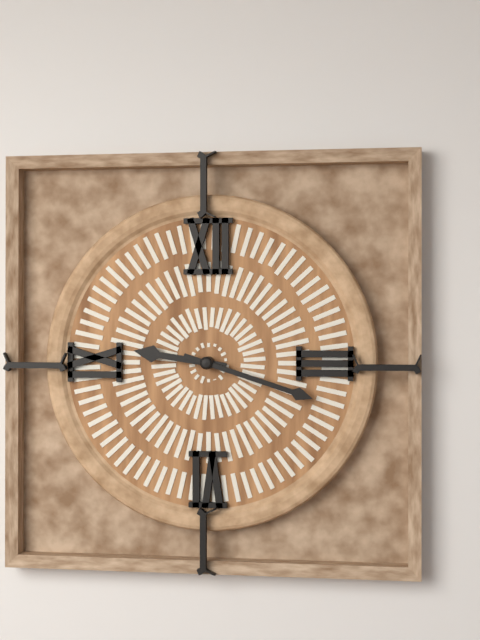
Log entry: {"hour": 9, "minute": 18}
